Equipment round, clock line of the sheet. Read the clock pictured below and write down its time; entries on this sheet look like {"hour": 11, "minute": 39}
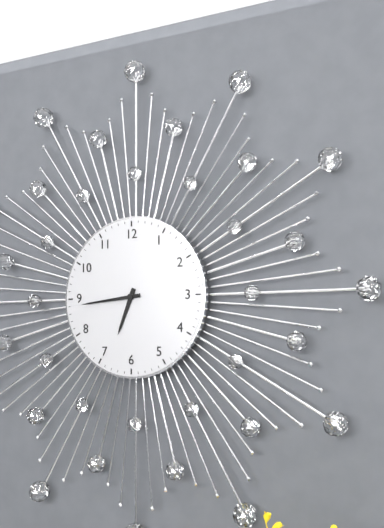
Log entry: {"hour": 6, "minute": 44}
